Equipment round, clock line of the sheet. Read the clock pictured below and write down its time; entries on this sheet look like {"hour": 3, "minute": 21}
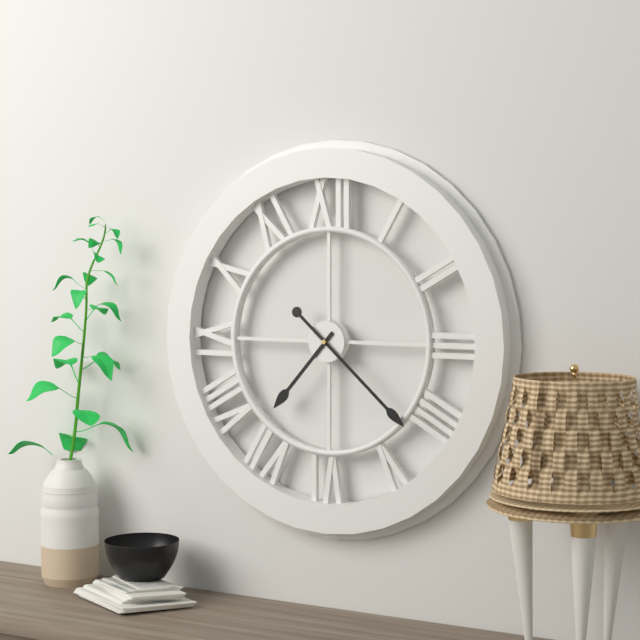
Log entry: {"hour": 7, "minute": 22}
